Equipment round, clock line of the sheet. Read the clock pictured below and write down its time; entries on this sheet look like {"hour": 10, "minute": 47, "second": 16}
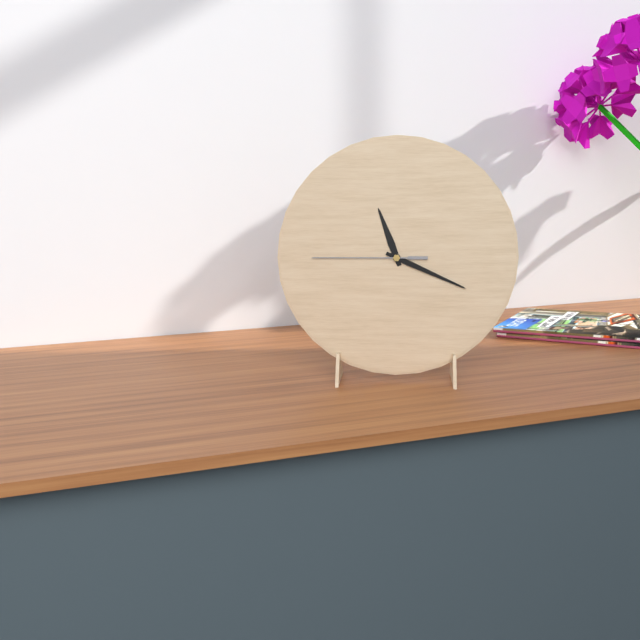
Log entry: {"hour": 11, "minute": 19, "second": 45}
